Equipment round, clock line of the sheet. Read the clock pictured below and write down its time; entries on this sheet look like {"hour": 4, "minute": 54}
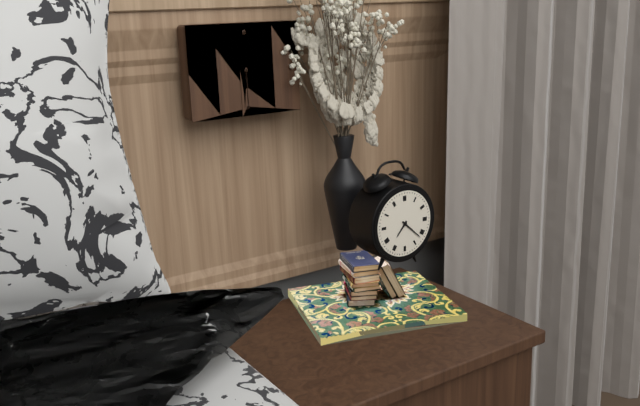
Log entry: {"hour": 7, "minute": 22}
